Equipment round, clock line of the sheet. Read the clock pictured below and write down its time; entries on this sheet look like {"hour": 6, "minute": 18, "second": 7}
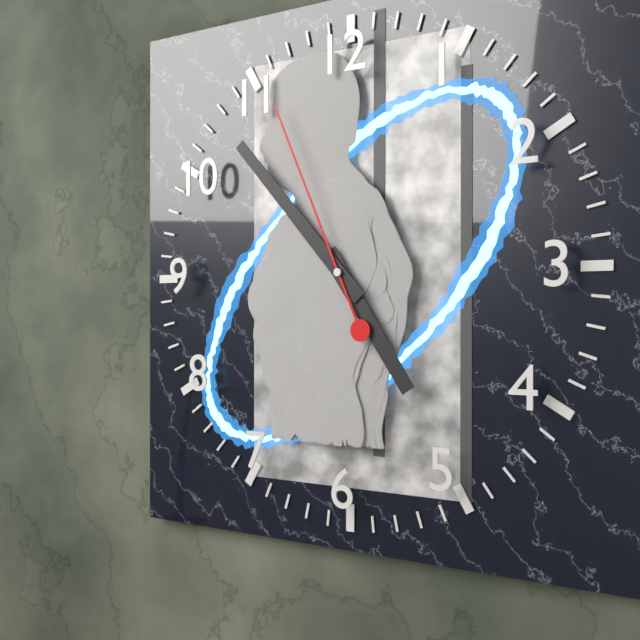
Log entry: {"hour": 4, "minute": 53, "second": 56}
